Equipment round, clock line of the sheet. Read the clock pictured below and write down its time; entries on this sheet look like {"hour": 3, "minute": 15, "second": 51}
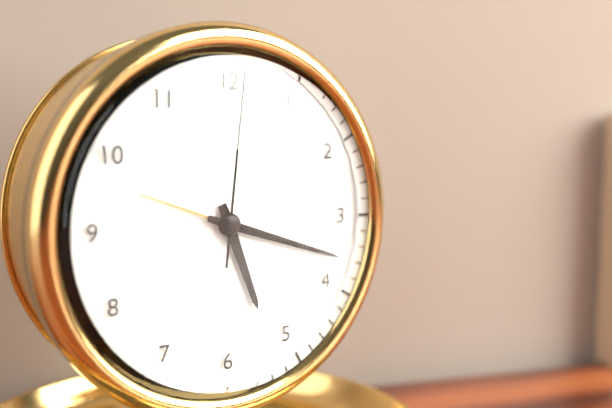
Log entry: {"hour": 5, "minute": 18, "second": 1}
